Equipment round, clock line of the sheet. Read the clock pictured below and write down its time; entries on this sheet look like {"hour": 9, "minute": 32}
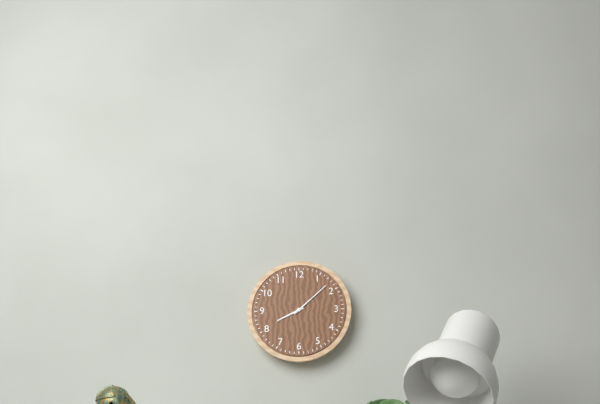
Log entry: {"hour": 8, "minute": 8}
